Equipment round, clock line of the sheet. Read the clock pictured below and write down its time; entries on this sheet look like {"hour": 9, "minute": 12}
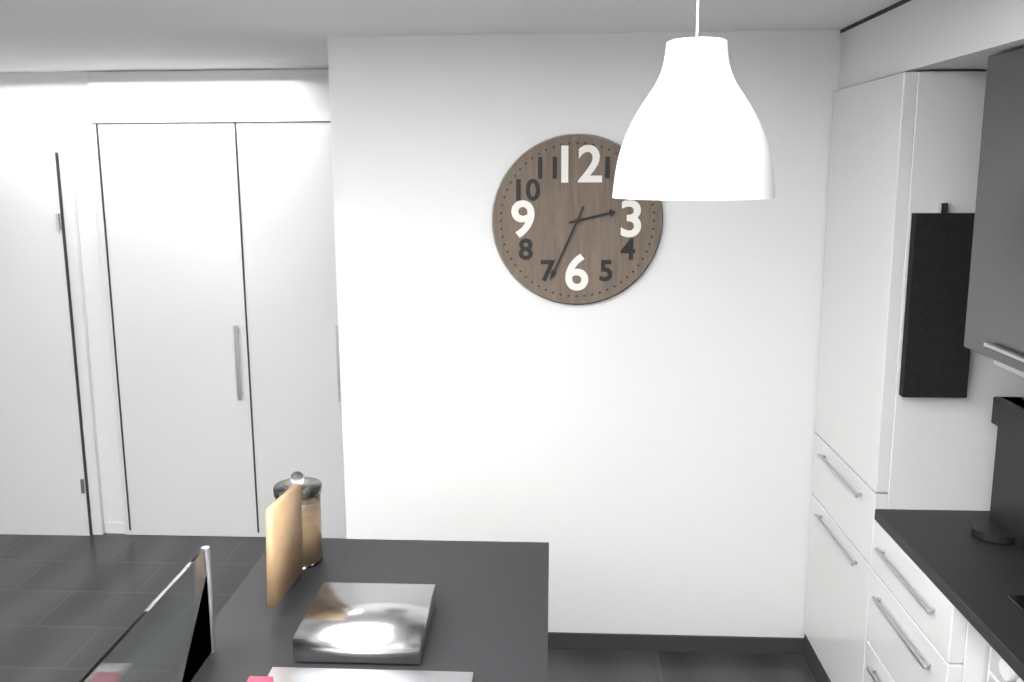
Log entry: {"hour": 2, "minute": 34}
